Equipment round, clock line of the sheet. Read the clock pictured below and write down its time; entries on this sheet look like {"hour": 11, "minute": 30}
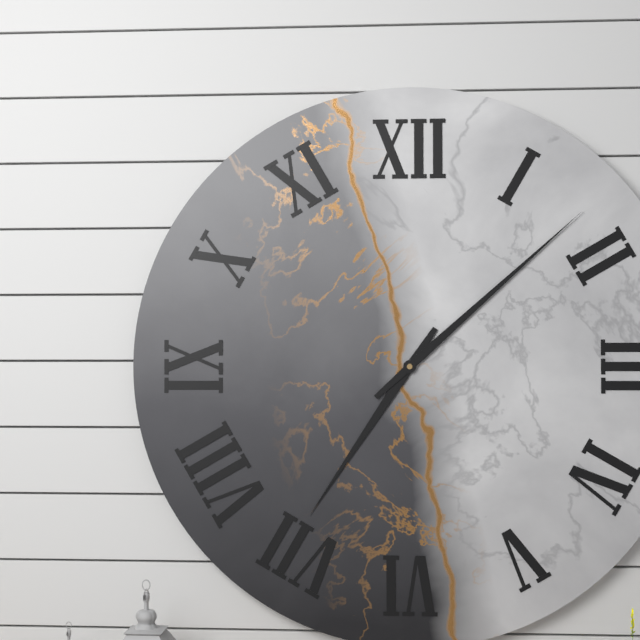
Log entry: {"hour": 7, "minute": 8}
